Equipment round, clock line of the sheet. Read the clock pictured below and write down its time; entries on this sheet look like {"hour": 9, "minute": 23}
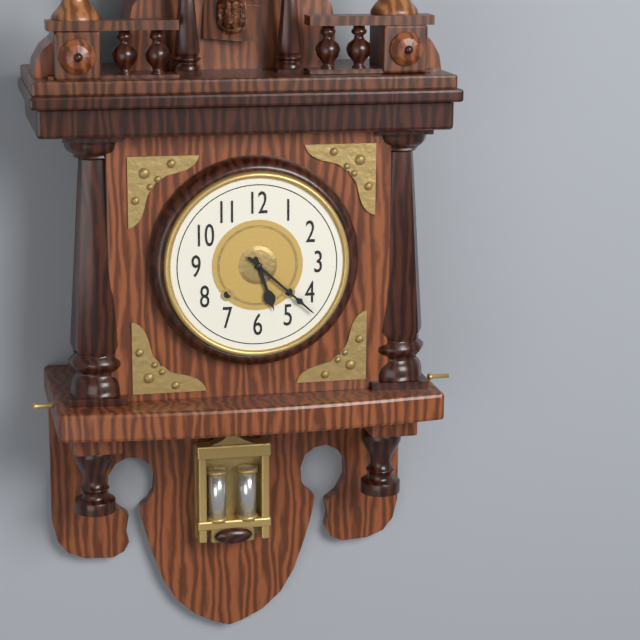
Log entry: {"hour": 5, "minute": 22}
